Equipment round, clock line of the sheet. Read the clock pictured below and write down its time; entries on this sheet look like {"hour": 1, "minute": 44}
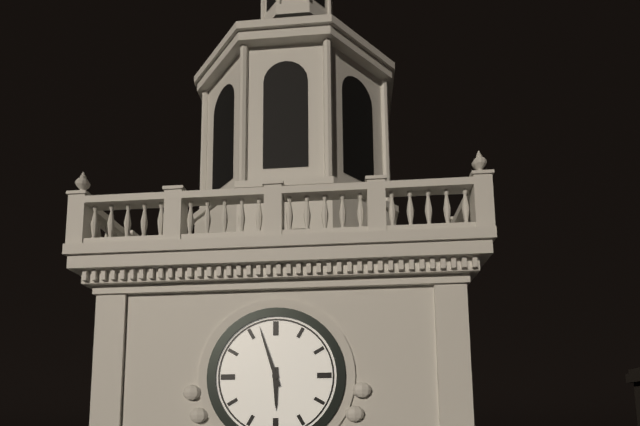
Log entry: {"hour": 5, "minute": 57}
